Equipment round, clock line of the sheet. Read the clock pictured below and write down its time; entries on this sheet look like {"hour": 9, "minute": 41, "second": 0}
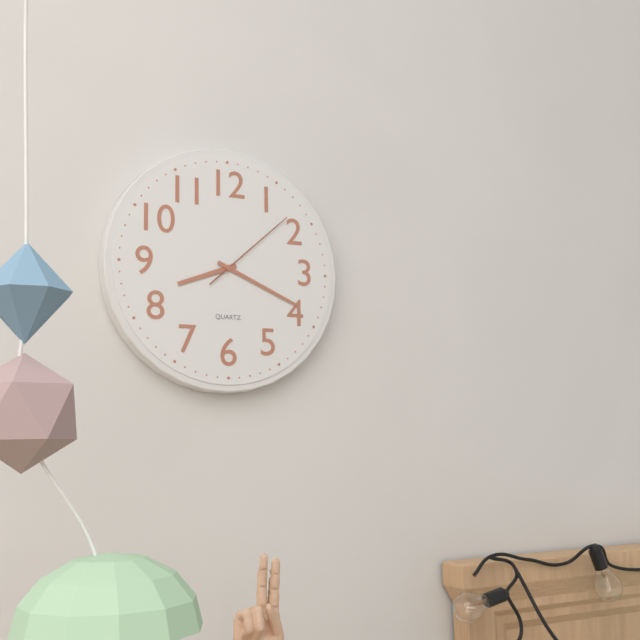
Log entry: {"hour": 8, "minute": 19, "second": 8}
